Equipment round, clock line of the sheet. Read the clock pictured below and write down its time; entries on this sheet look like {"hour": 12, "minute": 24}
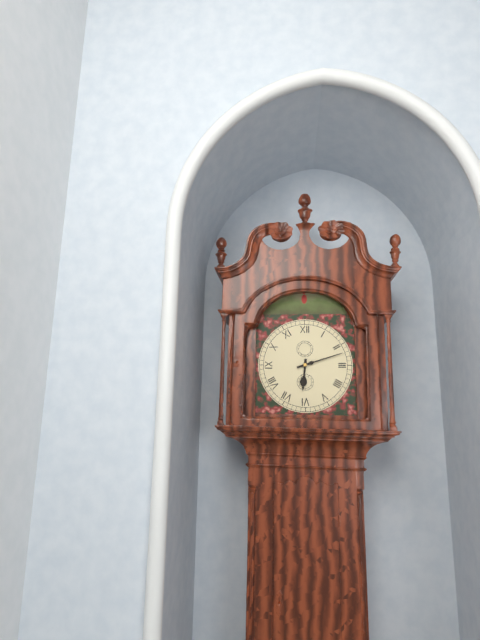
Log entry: {"hour": 6, "minute": 12}
